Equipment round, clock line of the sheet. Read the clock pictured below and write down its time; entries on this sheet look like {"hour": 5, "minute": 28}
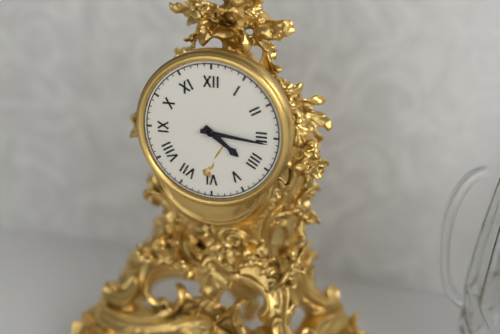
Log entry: {"hour": 4, "minute": 16}
